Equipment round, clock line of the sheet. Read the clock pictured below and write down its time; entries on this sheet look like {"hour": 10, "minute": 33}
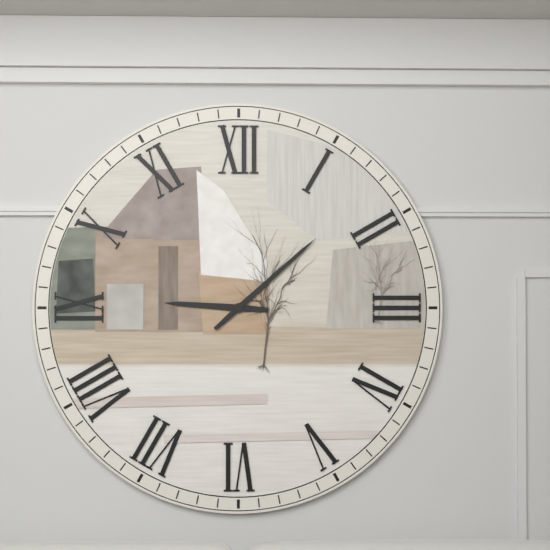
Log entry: {"hour": 9, "minute": 8}
